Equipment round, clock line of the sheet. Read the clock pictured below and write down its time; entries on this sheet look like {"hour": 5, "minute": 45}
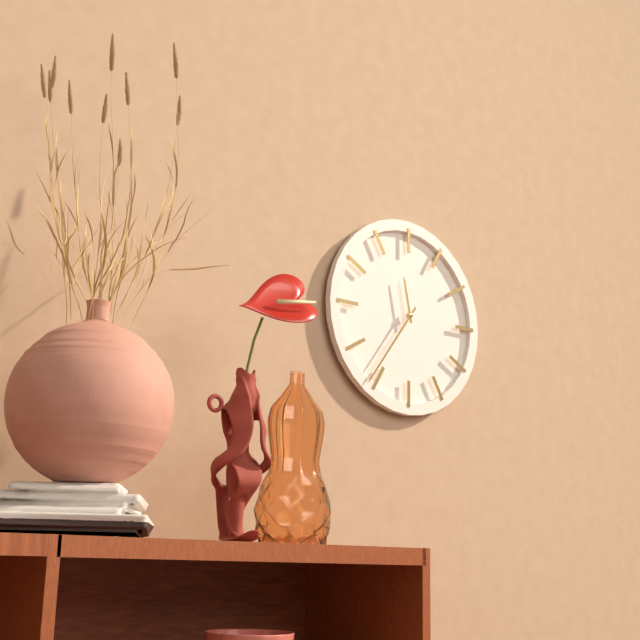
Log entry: {"hour": 11, "minute": 36}
